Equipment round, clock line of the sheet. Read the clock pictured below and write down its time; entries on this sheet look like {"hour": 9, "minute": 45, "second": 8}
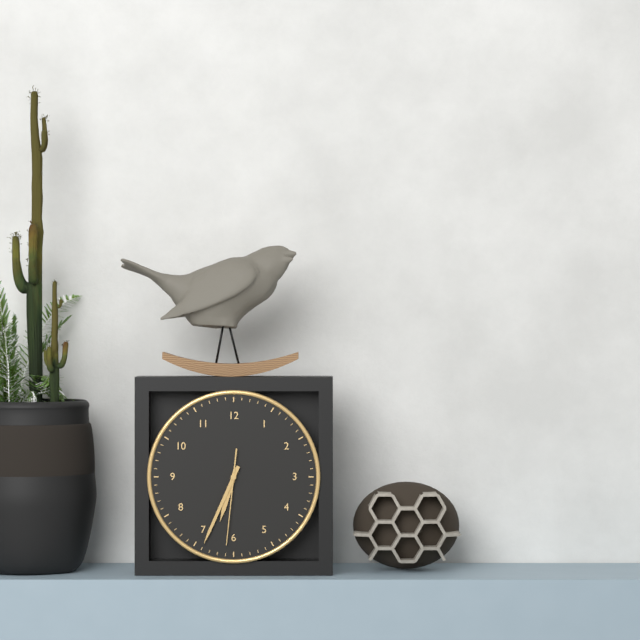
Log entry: {"hour": 6, "minute": 34, "second": 31}
